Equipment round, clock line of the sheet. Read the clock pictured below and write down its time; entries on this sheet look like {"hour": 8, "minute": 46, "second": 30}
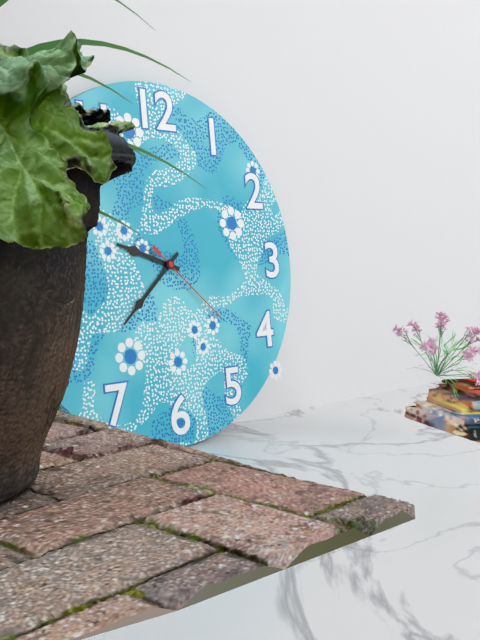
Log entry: {"hour": 9, "minute": 38, "second": 22}
